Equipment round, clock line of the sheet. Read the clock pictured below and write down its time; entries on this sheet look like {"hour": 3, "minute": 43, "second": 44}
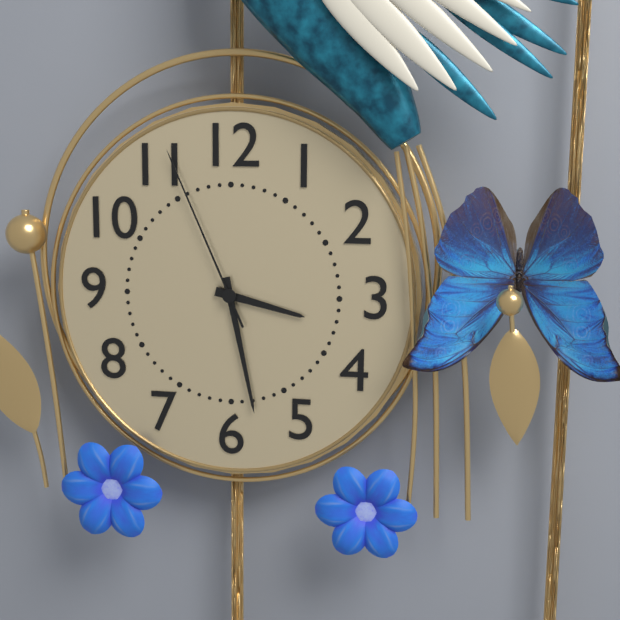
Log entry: {"hour": 3, "minute": 28, "second": 56}
